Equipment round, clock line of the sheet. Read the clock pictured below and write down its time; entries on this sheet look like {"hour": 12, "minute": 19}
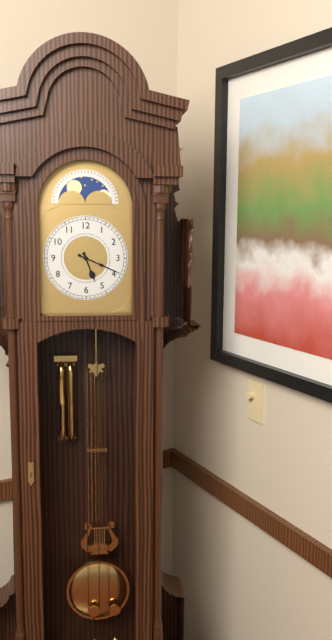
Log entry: {"hour": 5, "minute": 19}
